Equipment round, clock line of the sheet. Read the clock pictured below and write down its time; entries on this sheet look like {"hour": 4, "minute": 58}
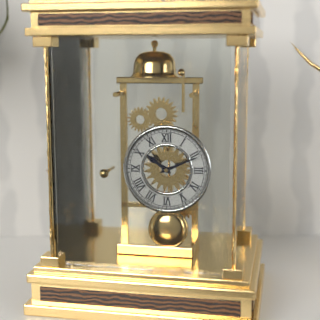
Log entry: {"hour": 10, "minute": 11}
